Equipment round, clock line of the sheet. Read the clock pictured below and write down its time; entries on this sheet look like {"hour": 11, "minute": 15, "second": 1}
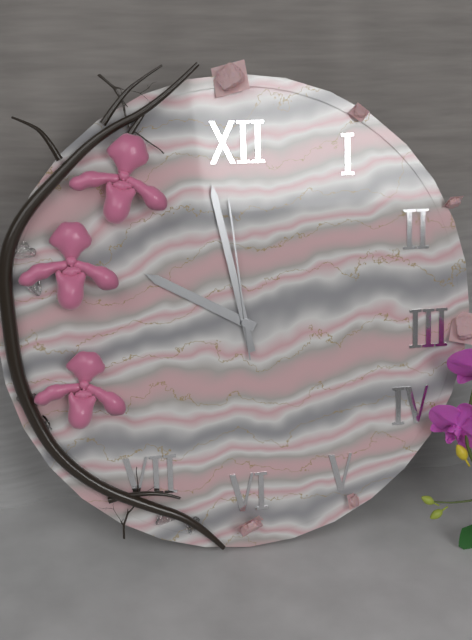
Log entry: {"hour": 9, "minute": 58, "second": 59}
